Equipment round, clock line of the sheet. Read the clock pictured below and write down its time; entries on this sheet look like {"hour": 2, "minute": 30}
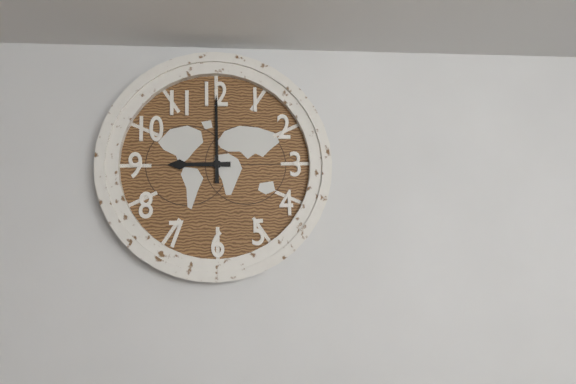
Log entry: {"hour": 9, "minute": 0}
